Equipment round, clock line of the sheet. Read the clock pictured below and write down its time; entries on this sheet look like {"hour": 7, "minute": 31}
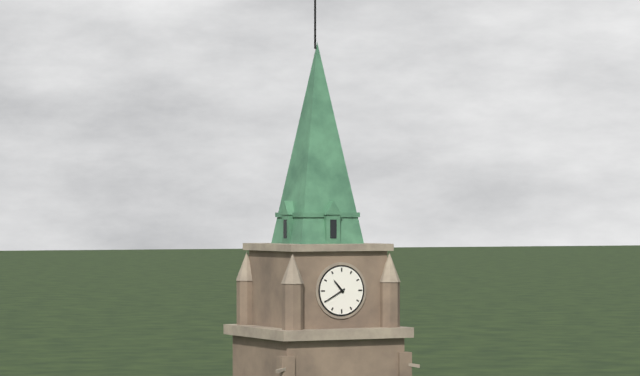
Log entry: {"hour": 10, "minute": 40}
